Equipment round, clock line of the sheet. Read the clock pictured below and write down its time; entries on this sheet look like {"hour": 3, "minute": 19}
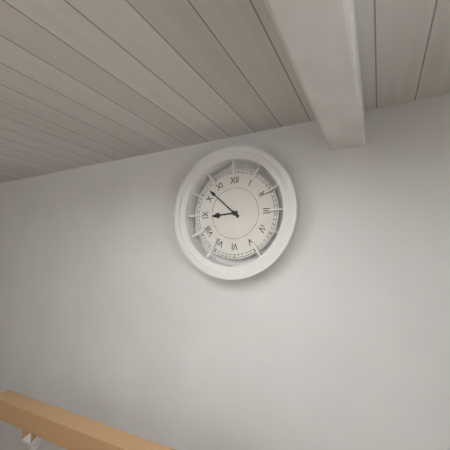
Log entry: {"hour": 8, "minute": 52}
